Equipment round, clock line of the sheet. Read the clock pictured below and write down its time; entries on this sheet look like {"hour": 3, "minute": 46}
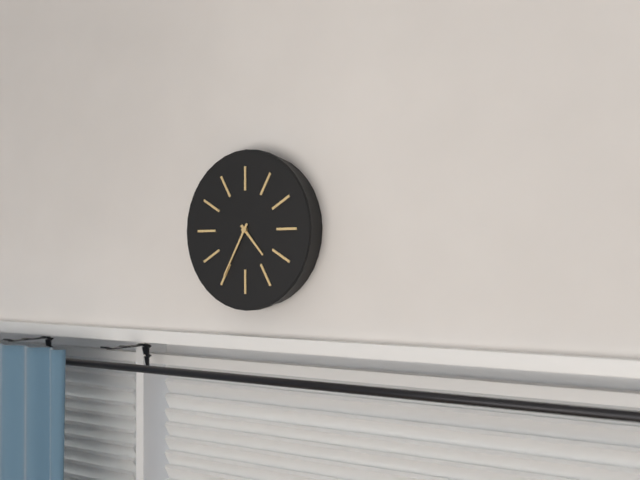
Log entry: {"hour": 4, "minute": 35}
